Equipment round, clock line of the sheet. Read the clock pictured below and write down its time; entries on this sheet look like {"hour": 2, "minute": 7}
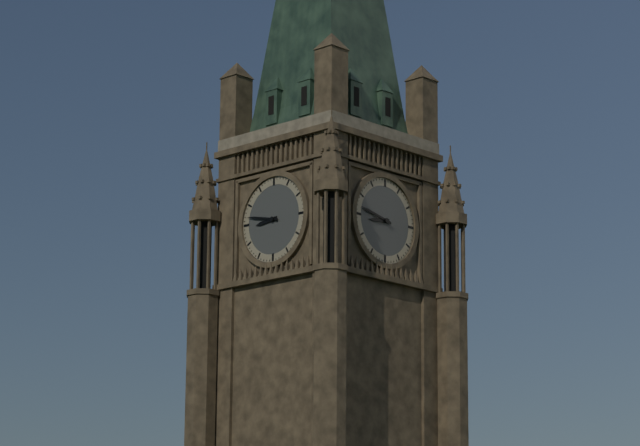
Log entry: {"hour": 8, "minute": 47}
